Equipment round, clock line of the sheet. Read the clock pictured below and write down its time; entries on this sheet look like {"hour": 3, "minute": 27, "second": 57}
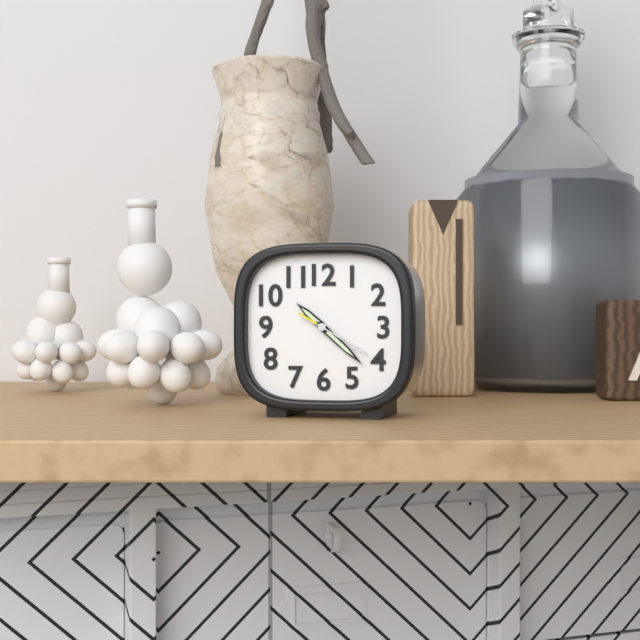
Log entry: {"hour": 10, "minute": 22, "second": 20}
